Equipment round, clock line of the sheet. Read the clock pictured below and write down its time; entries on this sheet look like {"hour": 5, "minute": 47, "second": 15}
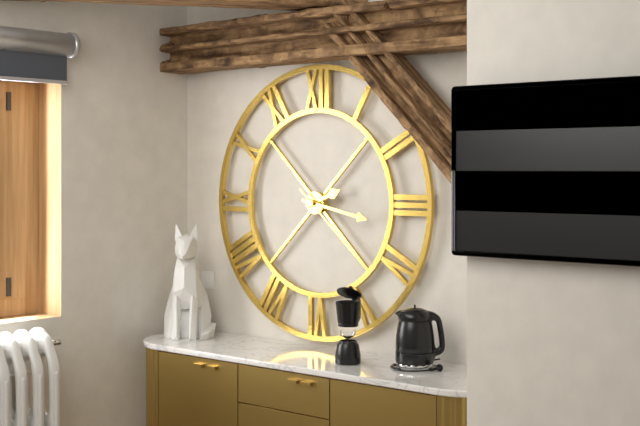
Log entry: {"hour": 2, "minute": 17, "second": 22}
